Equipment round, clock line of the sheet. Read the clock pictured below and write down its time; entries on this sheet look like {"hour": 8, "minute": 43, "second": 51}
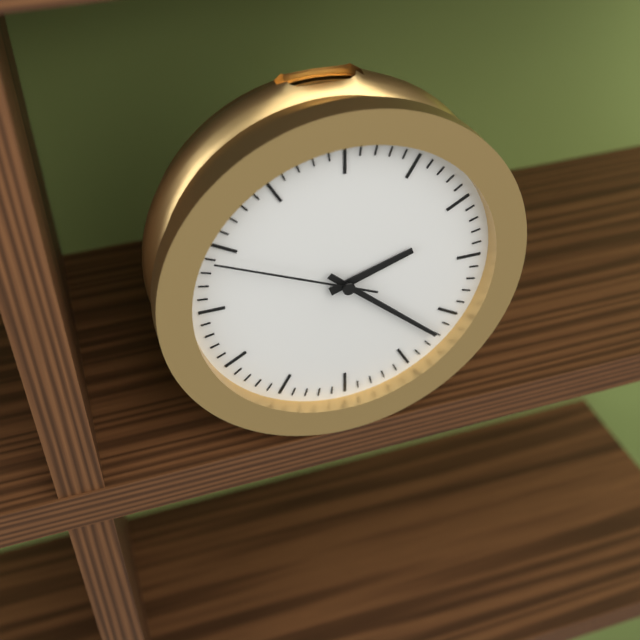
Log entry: {"hour": 2, "minute": 22, "second": 49}
